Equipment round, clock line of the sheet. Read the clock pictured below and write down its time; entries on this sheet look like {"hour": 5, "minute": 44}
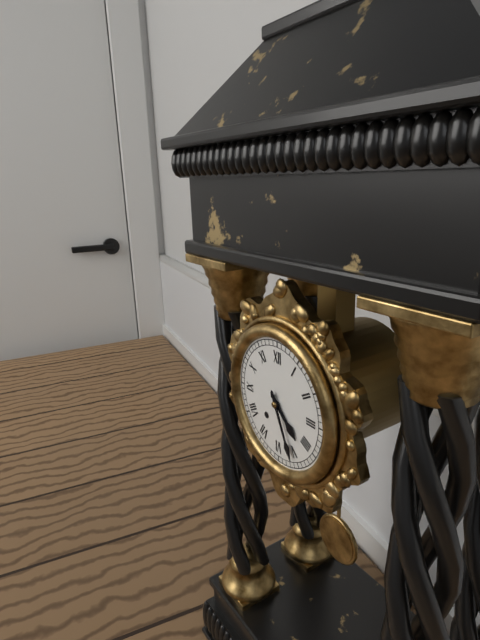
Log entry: {"hour": 4, "minute": 26}
